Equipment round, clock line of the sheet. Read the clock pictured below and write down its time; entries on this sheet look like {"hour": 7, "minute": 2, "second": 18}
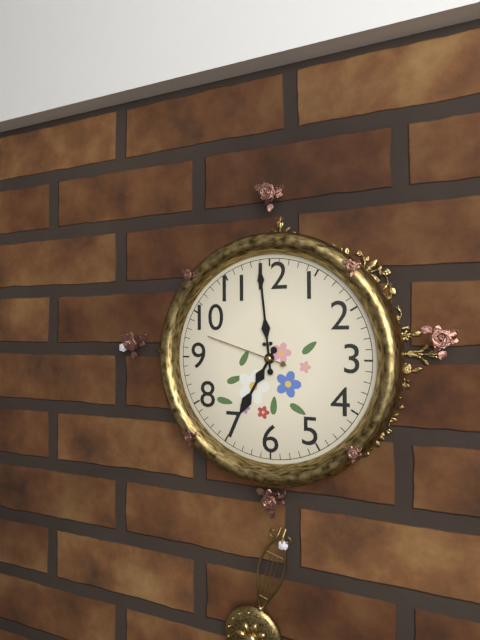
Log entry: {"hour": 6, "minute": 59, "second": 48}
